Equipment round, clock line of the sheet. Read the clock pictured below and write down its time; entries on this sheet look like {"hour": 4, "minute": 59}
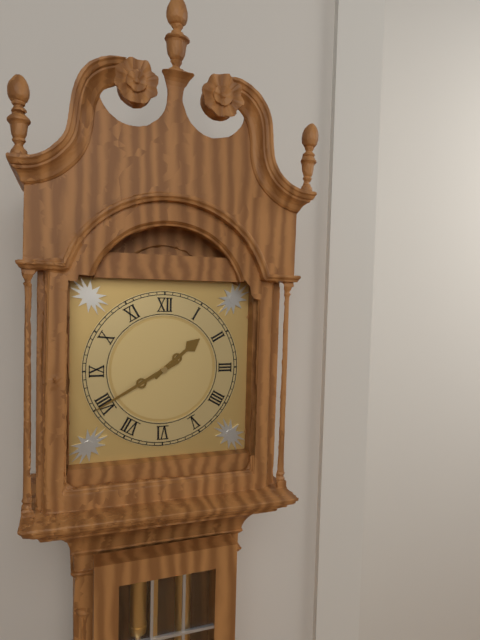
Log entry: {"hour": 1, "minute": 40}
